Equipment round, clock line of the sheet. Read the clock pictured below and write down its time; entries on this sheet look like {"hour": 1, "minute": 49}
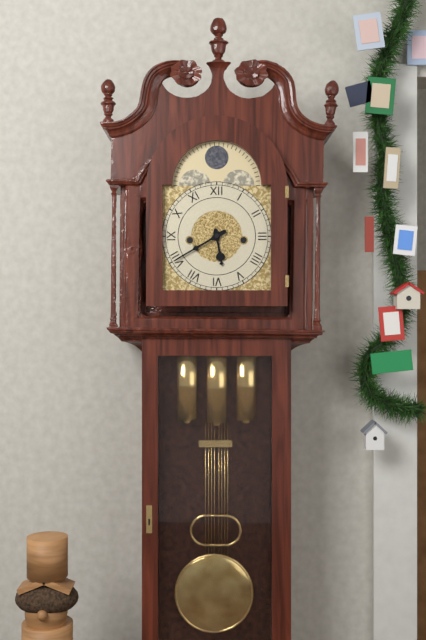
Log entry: {"hour": 5, "minute": 40}
